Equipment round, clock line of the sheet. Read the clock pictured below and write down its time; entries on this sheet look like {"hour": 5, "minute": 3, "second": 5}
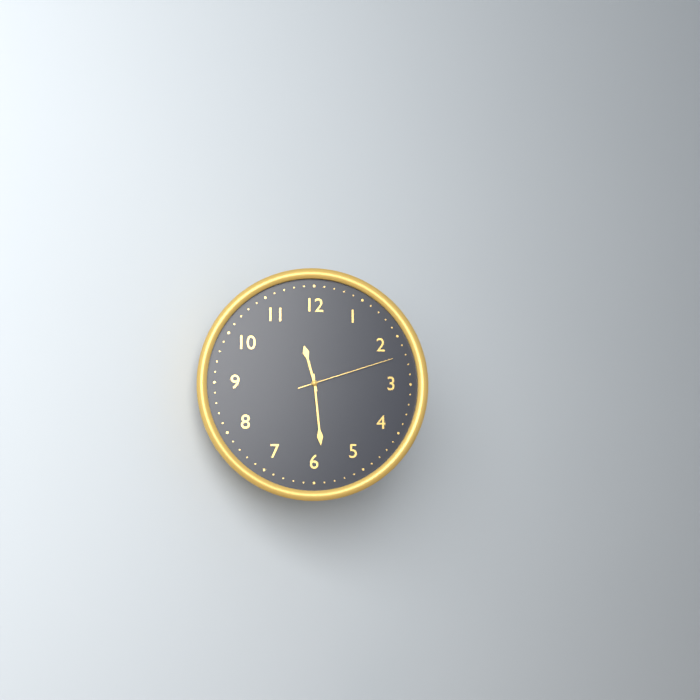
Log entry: {"hour": 11, "minute": 29, "second": 12}
